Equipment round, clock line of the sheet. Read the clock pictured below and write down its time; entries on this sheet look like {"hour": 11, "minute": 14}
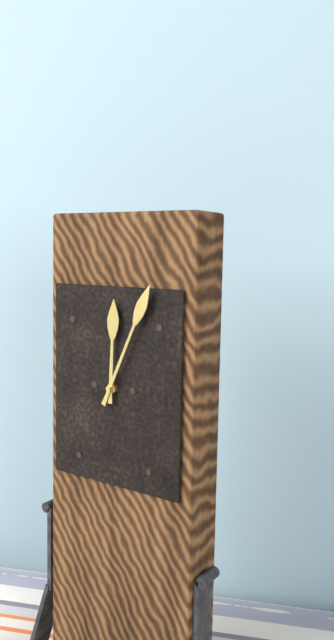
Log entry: {"hour": 12, "minute": 4}
